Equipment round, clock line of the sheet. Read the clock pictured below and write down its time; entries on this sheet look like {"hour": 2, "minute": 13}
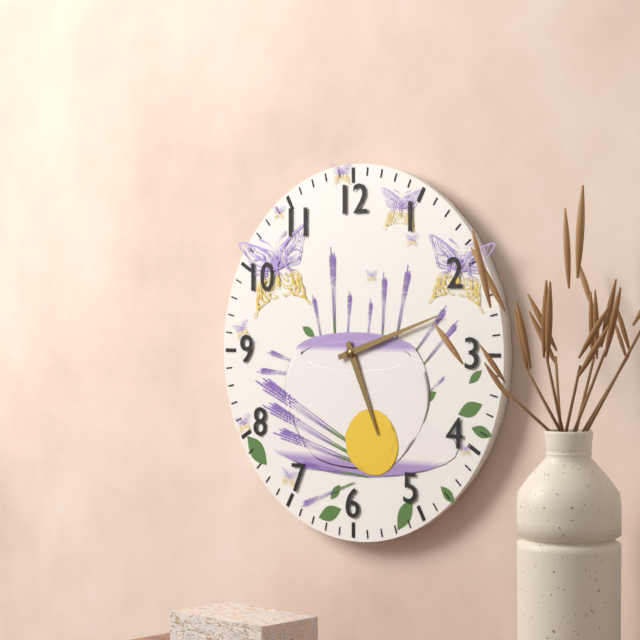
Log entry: {"hour": 5, "minute": 12}
